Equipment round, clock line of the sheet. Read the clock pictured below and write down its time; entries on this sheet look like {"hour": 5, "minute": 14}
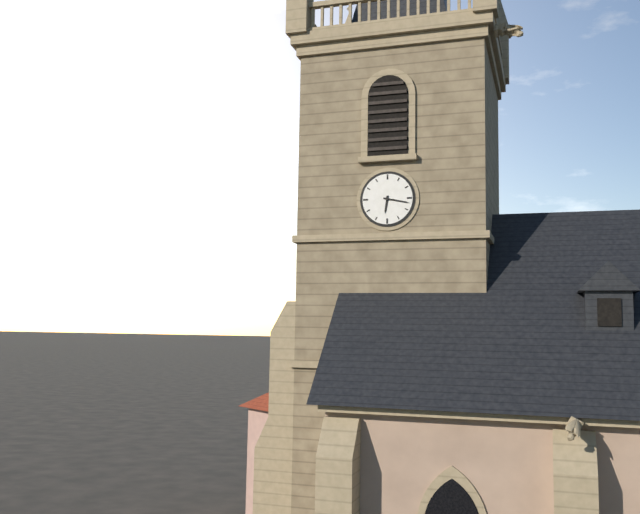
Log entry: {"hour": 6, "minute": 17}
